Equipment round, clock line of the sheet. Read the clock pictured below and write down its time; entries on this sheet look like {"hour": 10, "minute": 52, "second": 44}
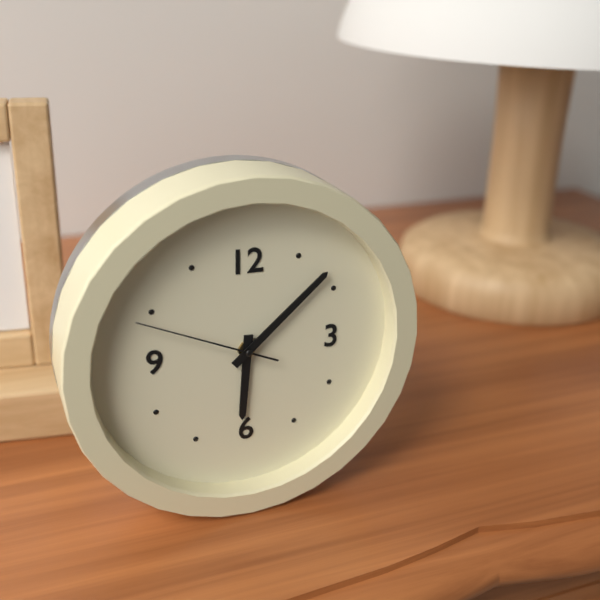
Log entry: {"hour": 6, "minute": 8, "second": 49}
